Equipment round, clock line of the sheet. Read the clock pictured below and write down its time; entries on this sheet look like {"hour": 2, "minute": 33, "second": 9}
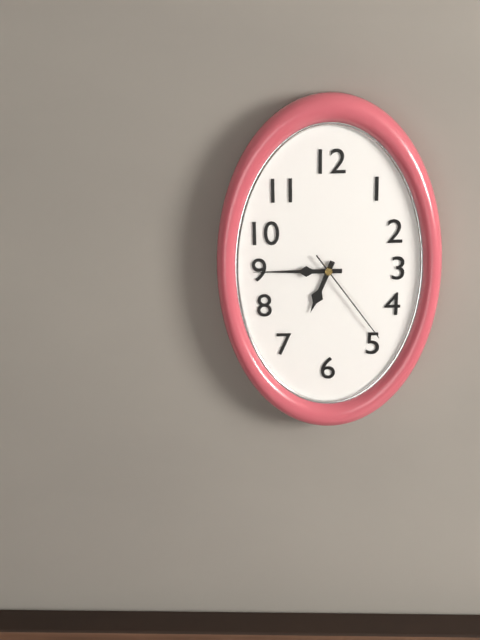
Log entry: {"hour": 6, "minute": 45, "second": 24}
